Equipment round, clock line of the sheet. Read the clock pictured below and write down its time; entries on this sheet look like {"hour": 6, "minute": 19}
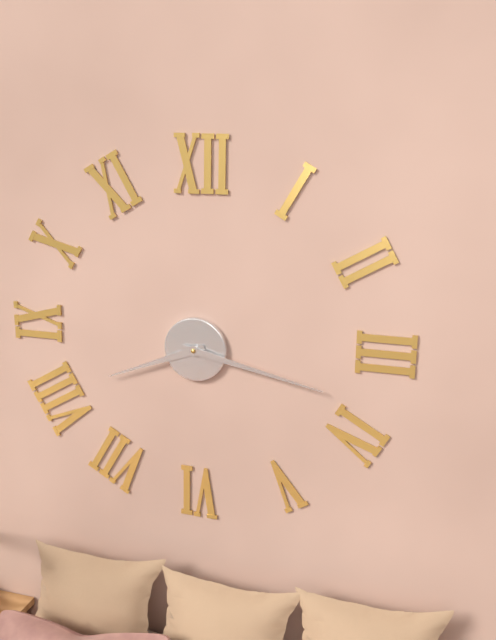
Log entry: {"hour": 8, "minute": 17}
